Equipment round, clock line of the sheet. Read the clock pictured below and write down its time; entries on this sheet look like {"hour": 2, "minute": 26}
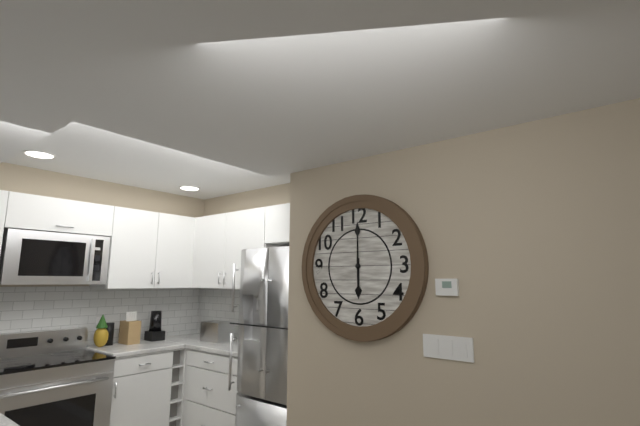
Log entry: {"hour": 6, "minute": 0}
